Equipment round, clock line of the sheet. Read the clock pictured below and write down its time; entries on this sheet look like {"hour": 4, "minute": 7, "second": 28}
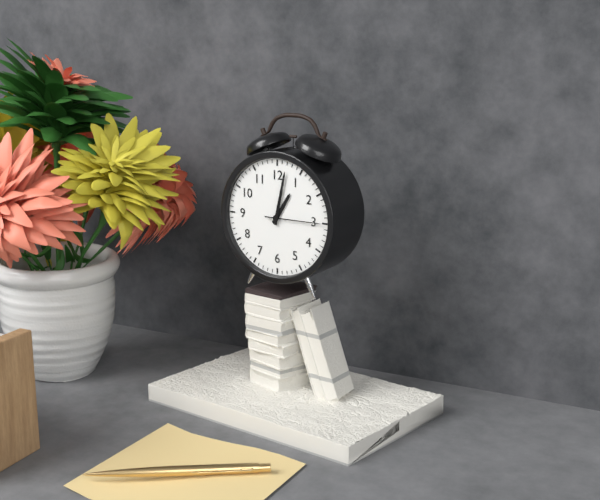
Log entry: {"hour": 1, "minute": 2, "second": 15}
